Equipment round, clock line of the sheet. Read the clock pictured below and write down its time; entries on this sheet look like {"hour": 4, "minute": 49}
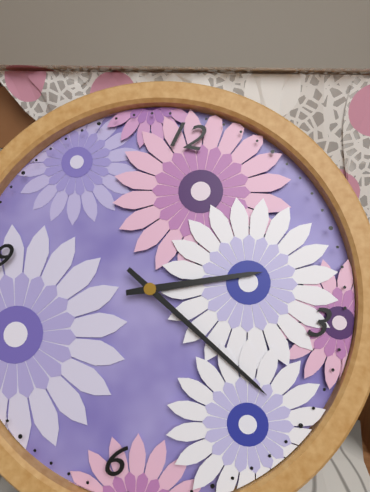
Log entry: {"hour": 2, "minute": 20}
